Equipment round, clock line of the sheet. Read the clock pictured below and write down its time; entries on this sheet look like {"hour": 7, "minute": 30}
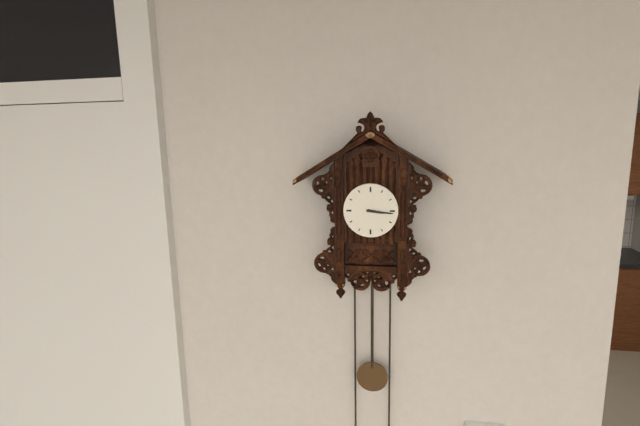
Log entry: {"hour": 3, "minute": 16}
